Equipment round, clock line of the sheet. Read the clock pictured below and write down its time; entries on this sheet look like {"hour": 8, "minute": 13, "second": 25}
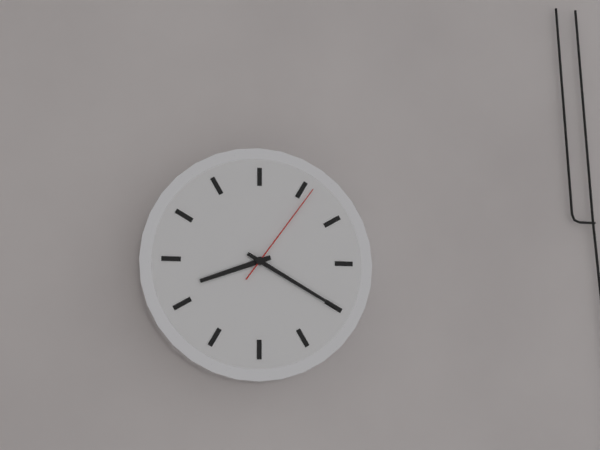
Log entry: {"hour": 8, "minute": 20, "second": 6}
